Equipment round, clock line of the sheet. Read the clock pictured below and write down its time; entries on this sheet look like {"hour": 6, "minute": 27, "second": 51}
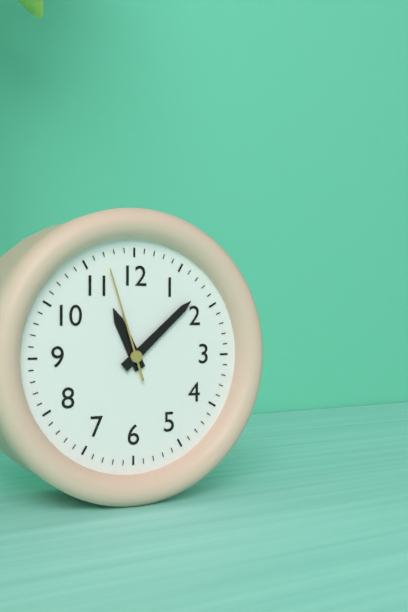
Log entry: {"hour": 11, "minute": 8, "second": 57}
